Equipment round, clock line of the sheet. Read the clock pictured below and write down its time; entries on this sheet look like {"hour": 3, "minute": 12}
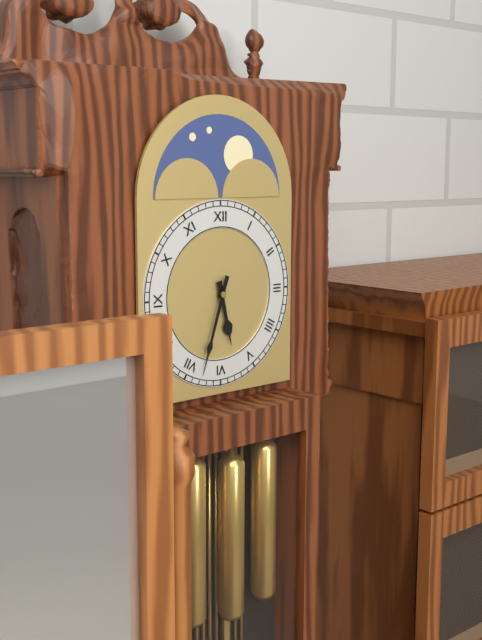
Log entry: {"hour": 5, "minute": 33}
